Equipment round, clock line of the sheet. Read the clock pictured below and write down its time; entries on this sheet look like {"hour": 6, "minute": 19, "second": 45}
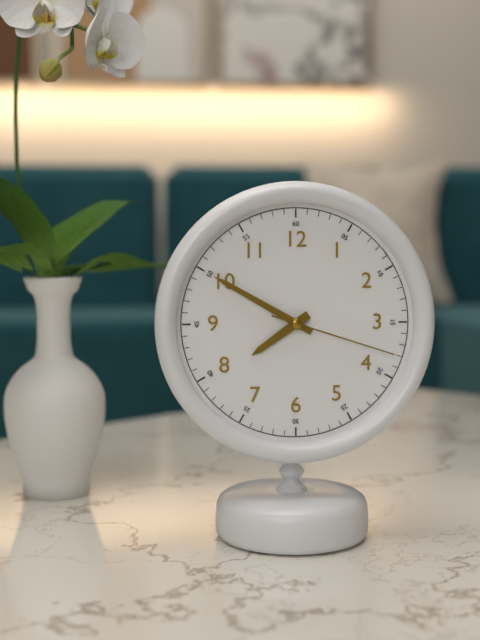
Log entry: {"hour": 7, "minute": 50, "second": 18}
